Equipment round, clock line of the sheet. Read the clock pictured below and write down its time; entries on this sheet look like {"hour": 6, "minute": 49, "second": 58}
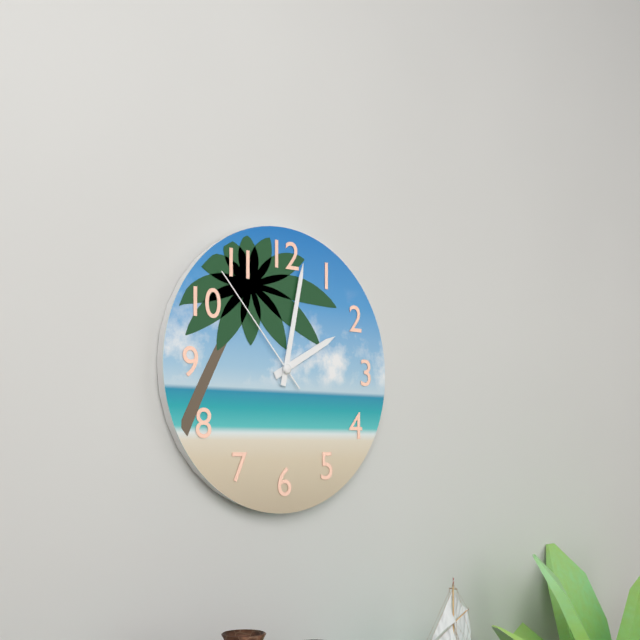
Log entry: {"hour": 2, "minute": 2, "second": 53}
